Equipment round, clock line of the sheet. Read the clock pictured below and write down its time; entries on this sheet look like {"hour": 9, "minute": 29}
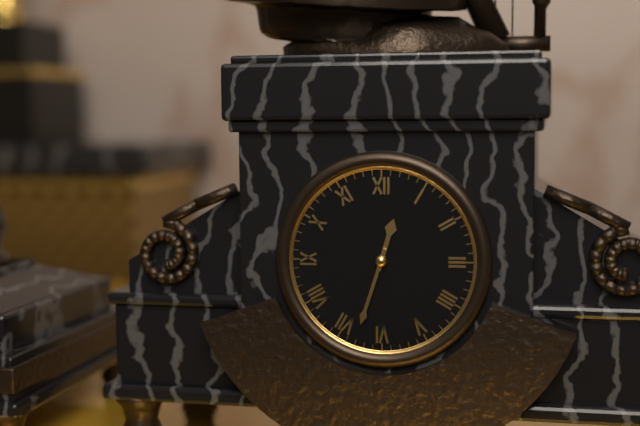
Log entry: {"hour": 12, "minute": 33}
